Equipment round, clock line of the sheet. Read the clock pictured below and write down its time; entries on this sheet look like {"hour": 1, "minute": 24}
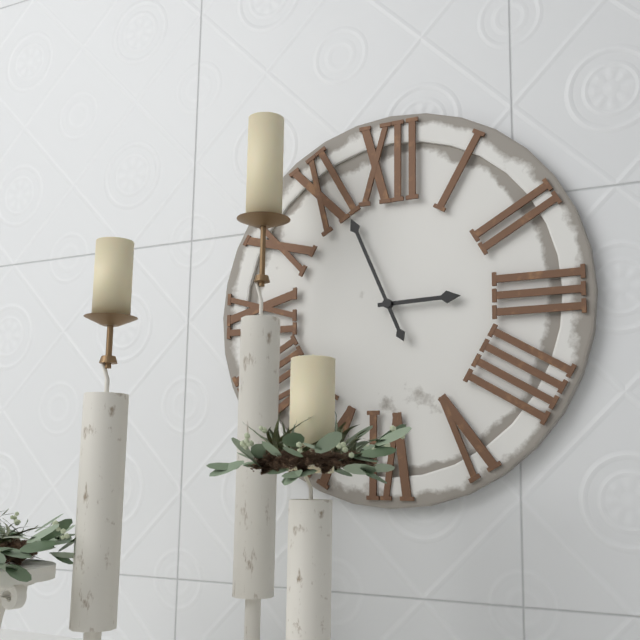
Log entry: {"hour": 2, "minute": 56}
